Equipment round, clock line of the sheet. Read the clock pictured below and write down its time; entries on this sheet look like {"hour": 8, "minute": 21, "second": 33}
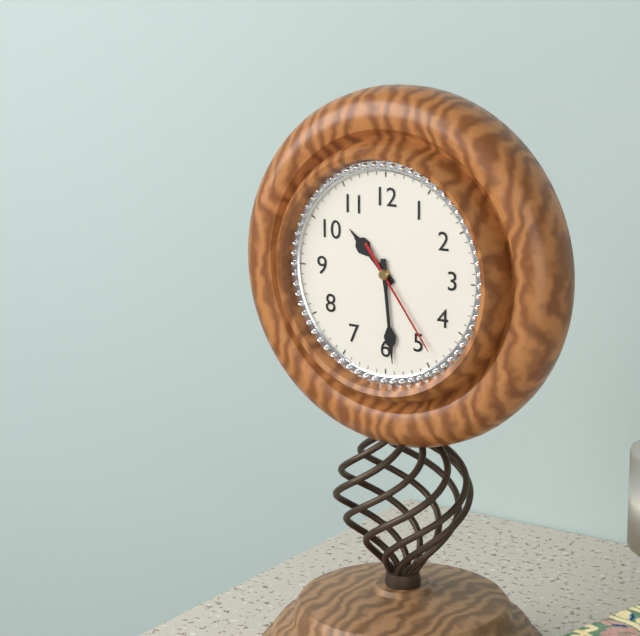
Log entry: {"hour": 10, "minute": 29, "second": 24}
